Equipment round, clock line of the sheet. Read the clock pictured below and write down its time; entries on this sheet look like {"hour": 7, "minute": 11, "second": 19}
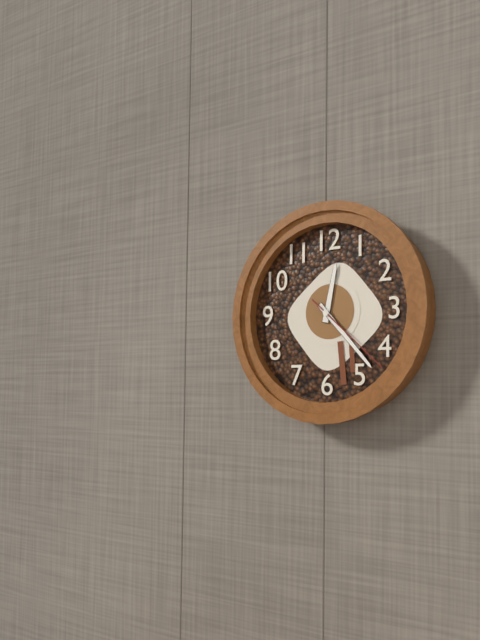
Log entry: {"hour": 12, "minute": 23, "second": 22}
